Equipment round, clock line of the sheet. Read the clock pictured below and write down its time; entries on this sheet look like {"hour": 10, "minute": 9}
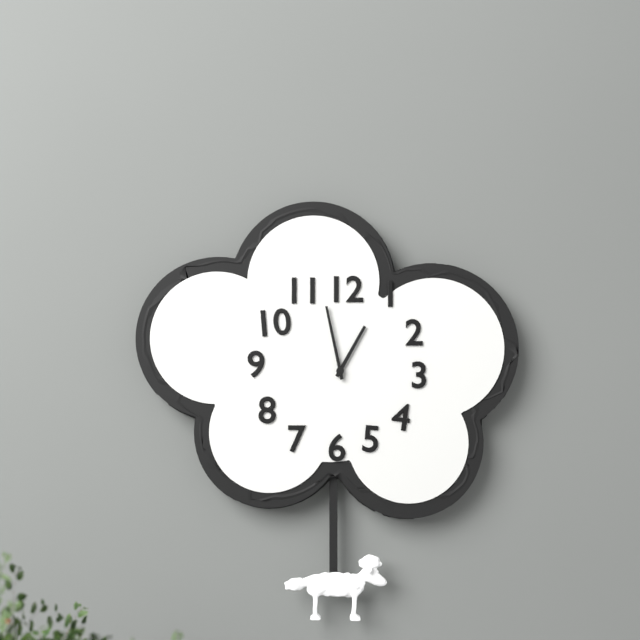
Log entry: {"hour": 12, "minute": 58}
